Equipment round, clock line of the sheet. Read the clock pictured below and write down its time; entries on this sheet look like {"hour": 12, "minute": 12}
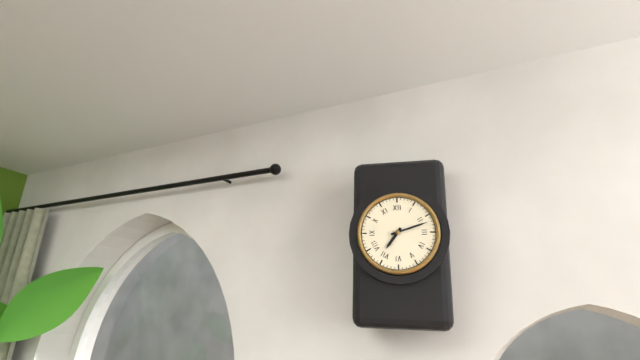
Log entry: {"hour": 7, "minute": 12}
